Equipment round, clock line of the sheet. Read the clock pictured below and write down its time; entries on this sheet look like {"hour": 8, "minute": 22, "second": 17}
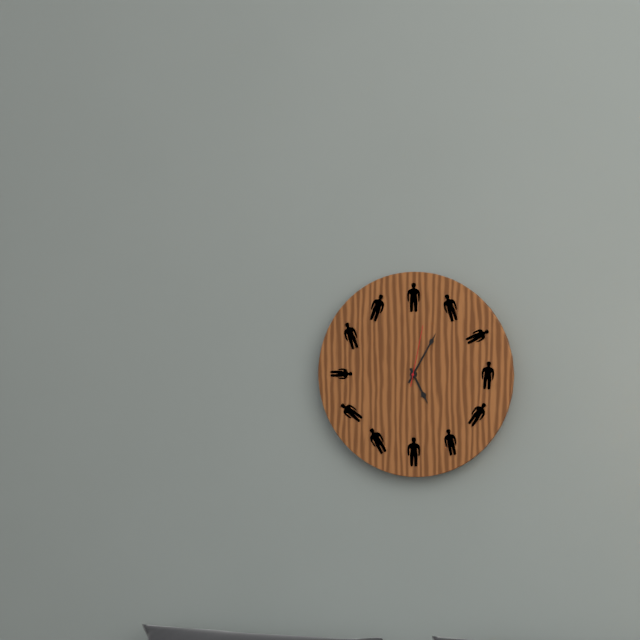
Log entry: {"hour": 5, "minute": 5, "second": 2}
